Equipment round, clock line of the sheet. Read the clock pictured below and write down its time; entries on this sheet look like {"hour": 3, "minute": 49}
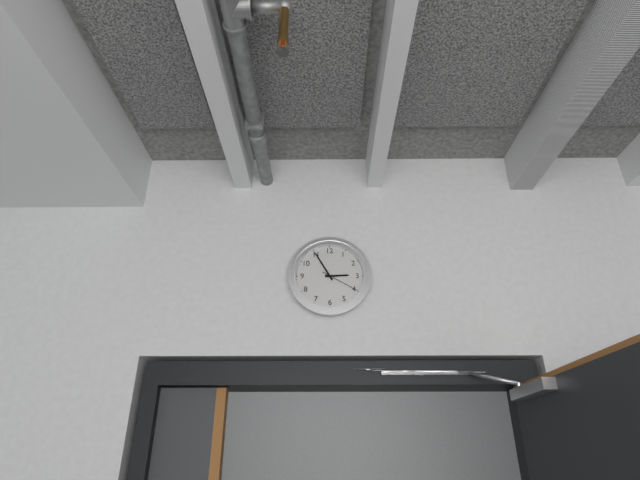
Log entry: {"hour": 2, "minute": 55}
